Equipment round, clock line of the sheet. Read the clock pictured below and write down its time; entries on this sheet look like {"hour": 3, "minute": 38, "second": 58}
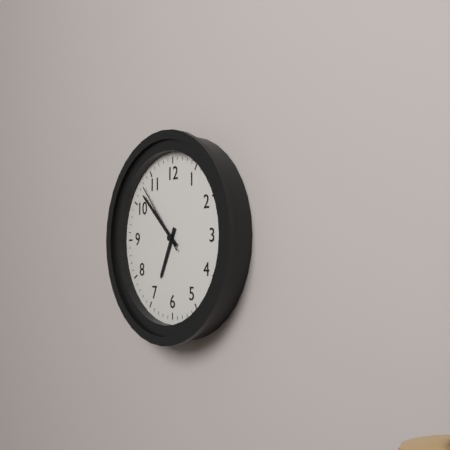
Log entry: {"hour": 6, "minute": 52, "second": 53}
